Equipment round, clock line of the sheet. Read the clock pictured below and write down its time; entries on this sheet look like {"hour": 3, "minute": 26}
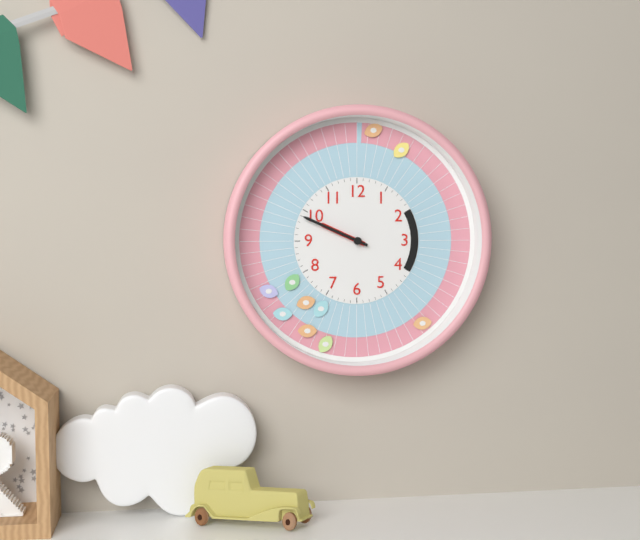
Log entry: {"hour": 9, "minute": 49}
